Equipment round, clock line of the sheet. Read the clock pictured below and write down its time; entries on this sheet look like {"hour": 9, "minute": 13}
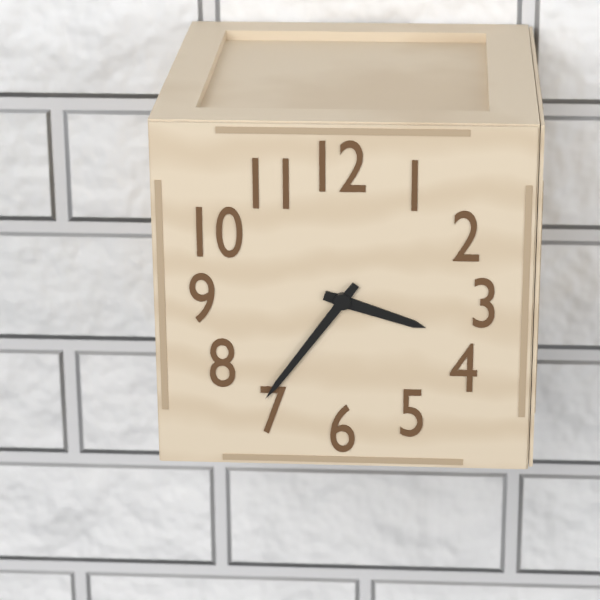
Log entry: {"hour": 3, "minute": 36}
